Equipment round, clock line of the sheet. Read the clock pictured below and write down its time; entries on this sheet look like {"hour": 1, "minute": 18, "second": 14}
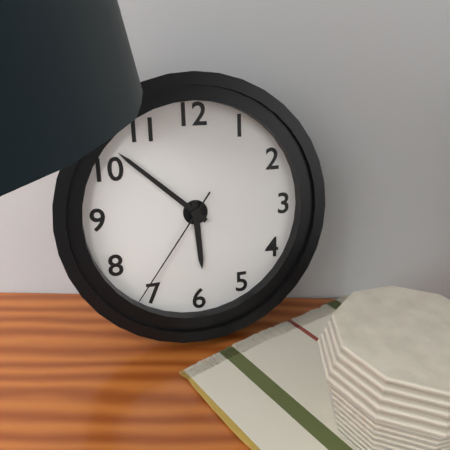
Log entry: {"hour": 5, "minute": 52, "second": 36}
